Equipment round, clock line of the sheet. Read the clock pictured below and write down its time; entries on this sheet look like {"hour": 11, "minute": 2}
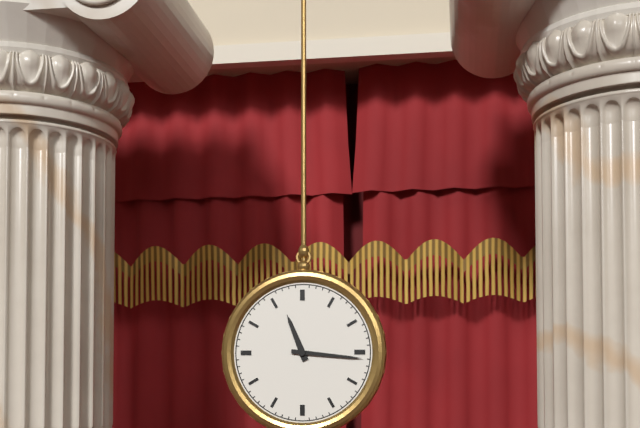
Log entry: {"hour": 11, "minute": 16}
